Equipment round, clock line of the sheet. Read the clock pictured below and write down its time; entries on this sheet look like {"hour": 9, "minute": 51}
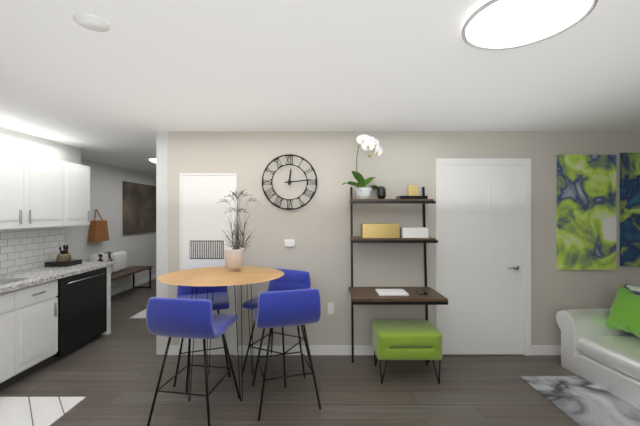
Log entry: {"hour": 12, "minute": 14}
